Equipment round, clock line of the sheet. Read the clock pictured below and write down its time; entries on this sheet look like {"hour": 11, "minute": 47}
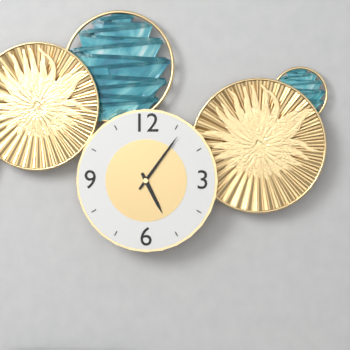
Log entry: {"hour": 5, "minute": 6}
